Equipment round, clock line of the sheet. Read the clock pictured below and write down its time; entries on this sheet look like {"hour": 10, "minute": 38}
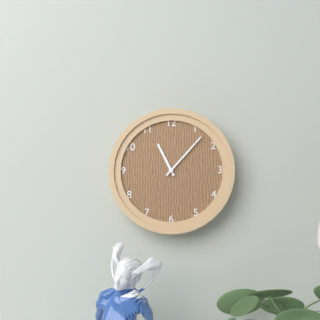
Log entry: {"hour": 11, "minute": 7}
